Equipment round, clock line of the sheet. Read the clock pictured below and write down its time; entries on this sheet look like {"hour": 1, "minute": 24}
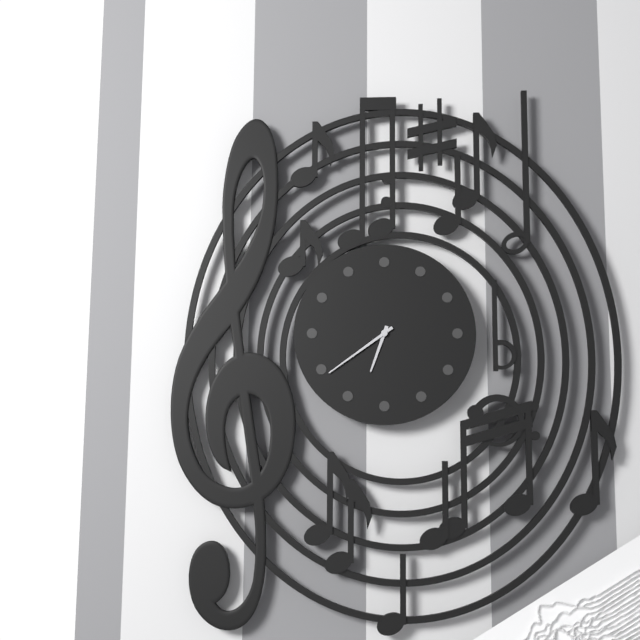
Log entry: {"hour": 6, "minute": 39}
